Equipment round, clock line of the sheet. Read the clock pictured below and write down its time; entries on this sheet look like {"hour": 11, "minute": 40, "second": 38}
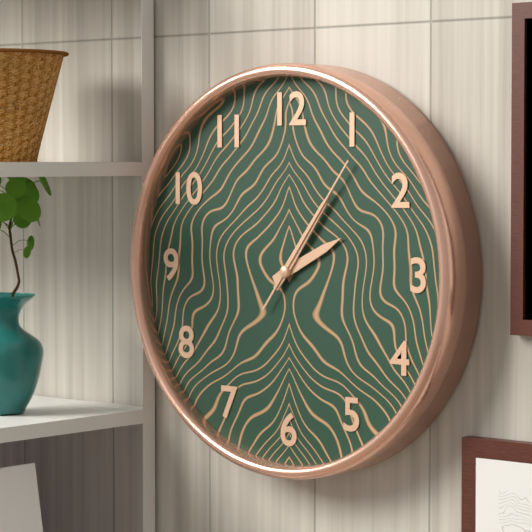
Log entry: {"hour": 2, "minute": 6, "second": 6}
